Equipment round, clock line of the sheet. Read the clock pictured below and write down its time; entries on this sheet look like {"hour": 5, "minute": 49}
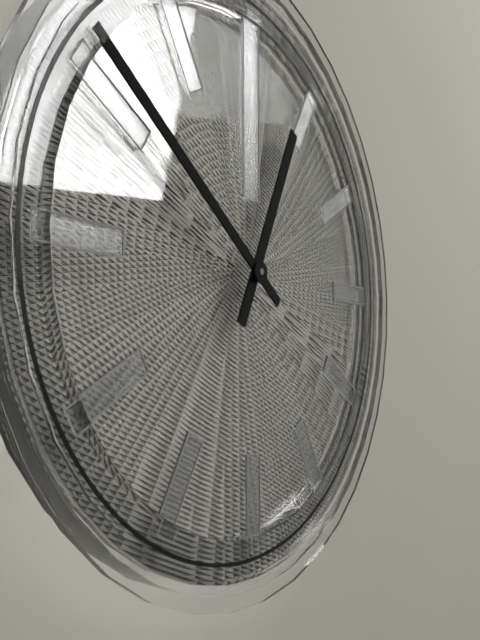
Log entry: {"hour": 12, "minute": 51}
